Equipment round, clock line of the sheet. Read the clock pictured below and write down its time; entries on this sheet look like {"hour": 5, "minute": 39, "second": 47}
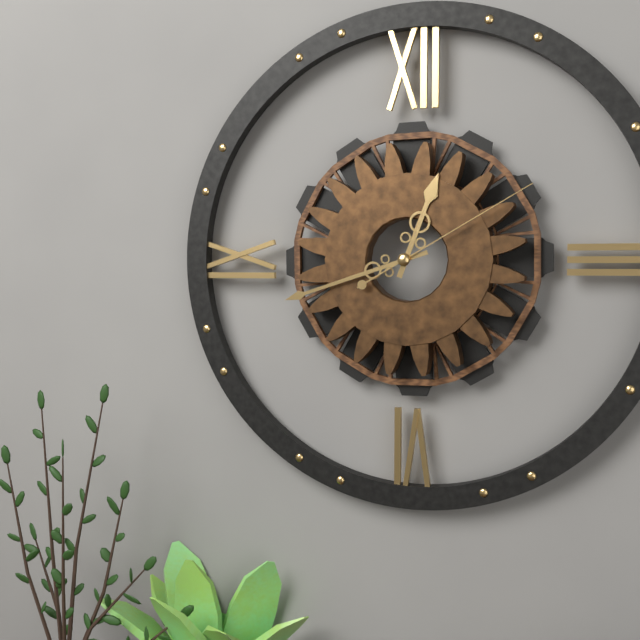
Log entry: {"hour": 12, "minute": 42, "second": 10}
